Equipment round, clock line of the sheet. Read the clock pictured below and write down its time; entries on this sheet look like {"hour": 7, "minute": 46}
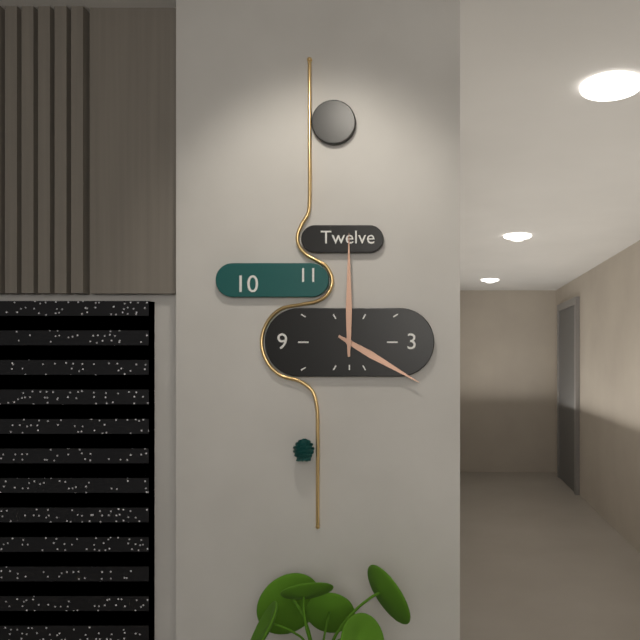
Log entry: {"hour": 4, "minute": 0}
